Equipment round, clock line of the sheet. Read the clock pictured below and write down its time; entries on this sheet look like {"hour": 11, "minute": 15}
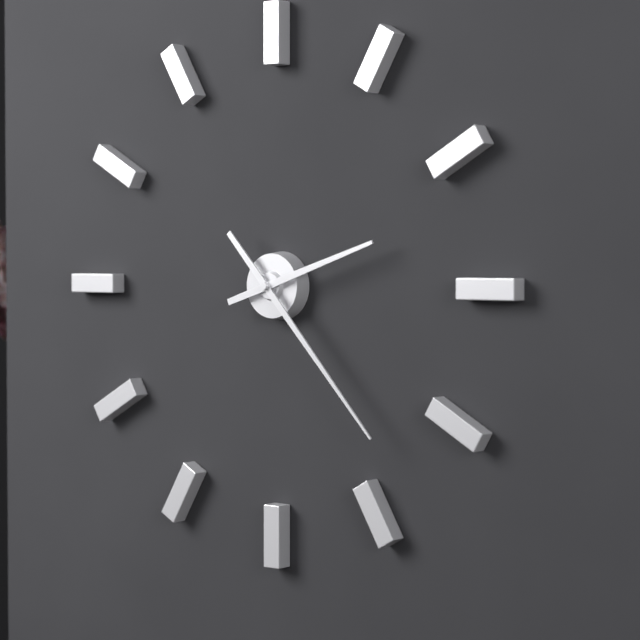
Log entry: {"hour": 2, "minute": 23}
